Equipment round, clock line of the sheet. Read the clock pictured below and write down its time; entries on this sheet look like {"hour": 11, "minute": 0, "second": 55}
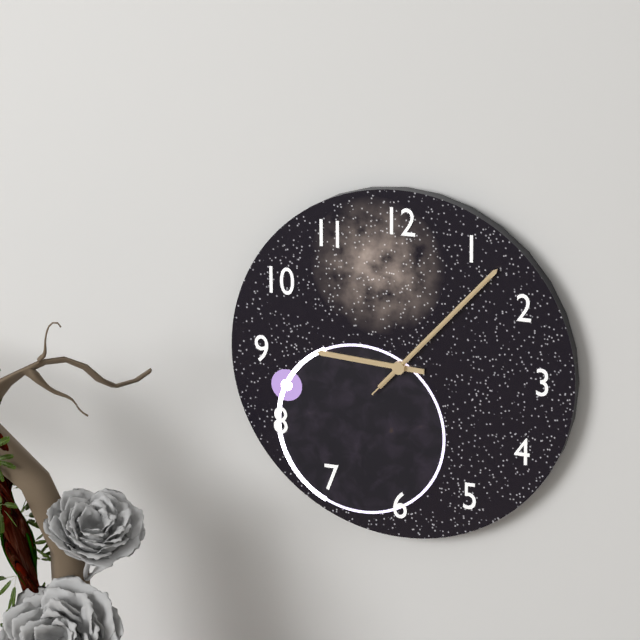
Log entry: {"hour": 9, "minute": 7, "second": 7}
